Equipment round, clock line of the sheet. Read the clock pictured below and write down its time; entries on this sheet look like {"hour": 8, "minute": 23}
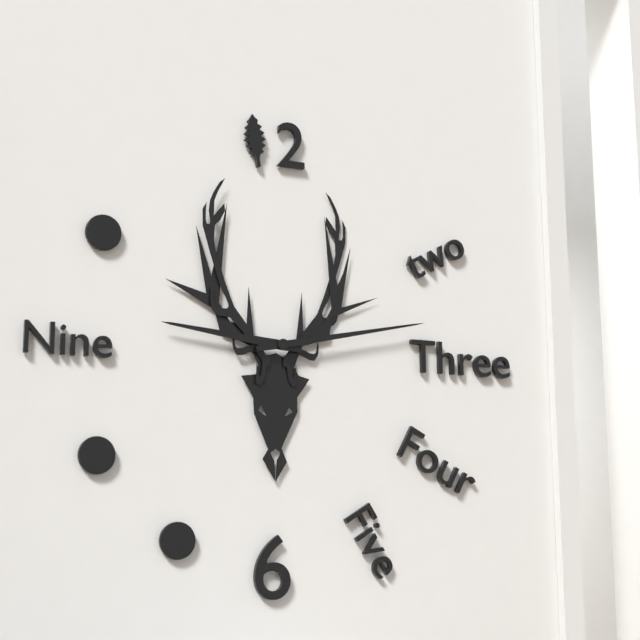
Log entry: {"hour": 9, "minute": 13}
